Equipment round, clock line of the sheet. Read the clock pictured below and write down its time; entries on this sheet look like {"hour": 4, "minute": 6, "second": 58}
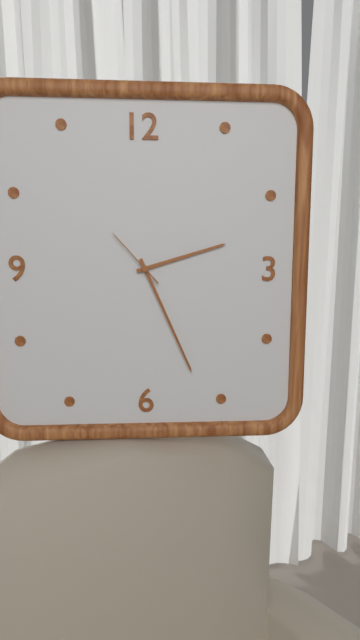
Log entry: {"hour": 2, "minute": 26, "second": 53}
